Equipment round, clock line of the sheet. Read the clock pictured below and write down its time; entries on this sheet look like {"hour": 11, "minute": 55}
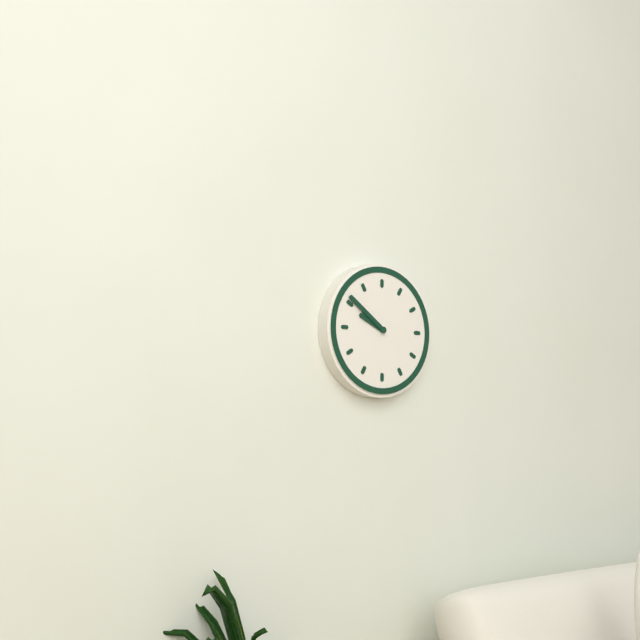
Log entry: {"hour": 9, "minute": 51}
